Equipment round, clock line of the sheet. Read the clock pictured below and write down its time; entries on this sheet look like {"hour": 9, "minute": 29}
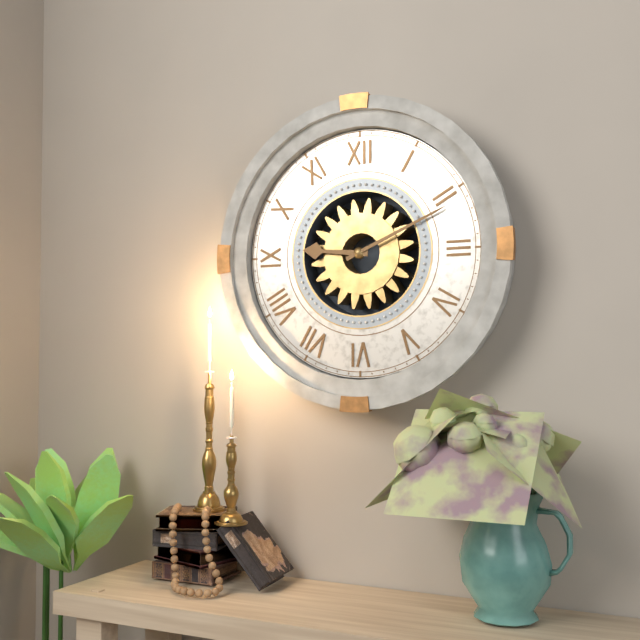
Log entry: {"hour": 9, "minute": 11}
